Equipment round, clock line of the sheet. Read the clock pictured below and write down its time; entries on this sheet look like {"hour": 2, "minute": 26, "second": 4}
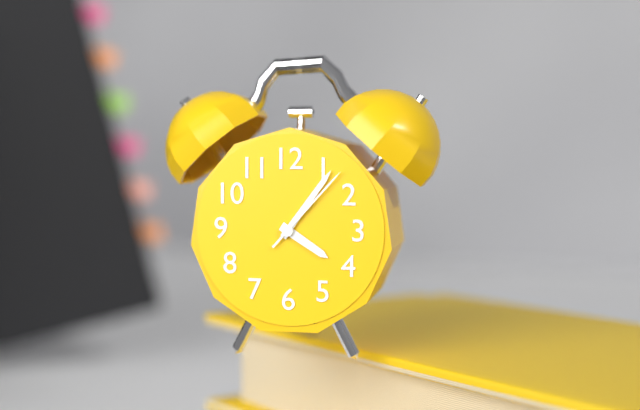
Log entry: {"hour": 4, "minute": 6, "second": 7}
